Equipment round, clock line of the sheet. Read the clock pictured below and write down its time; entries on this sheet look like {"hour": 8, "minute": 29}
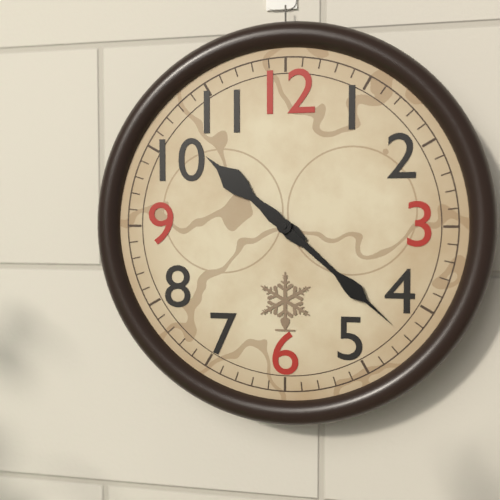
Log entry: {"hour": 10, "minute": 22}
